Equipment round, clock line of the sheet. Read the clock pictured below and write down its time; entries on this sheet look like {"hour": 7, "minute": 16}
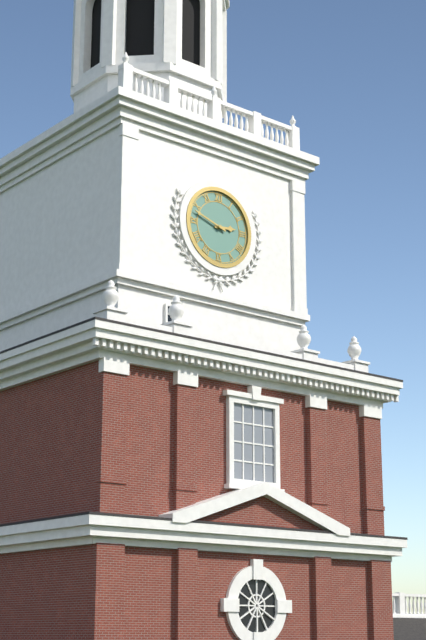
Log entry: {"hour": 2, "minute": 48}
